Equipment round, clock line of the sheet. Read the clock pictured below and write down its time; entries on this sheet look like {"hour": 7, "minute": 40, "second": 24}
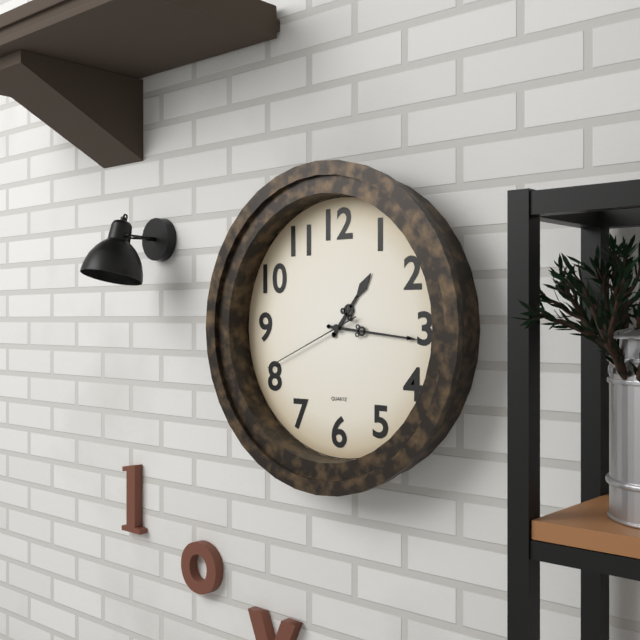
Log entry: {"hour": 1, "minute": 16, "second": 41}
